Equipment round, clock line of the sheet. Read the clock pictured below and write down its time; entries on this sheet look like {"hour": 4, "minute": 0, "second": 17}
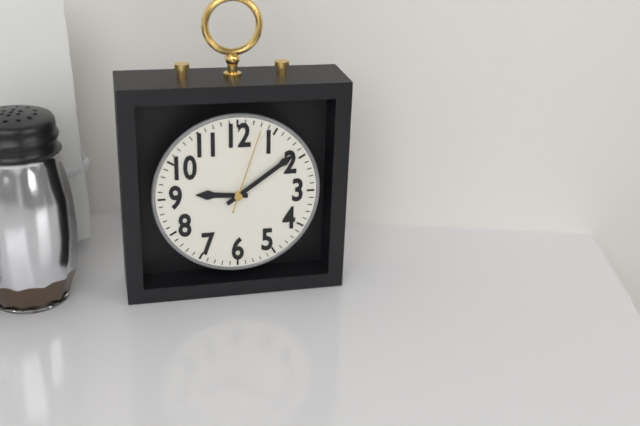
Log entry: {"hour": 9, "minute": 9, "second": 3}
